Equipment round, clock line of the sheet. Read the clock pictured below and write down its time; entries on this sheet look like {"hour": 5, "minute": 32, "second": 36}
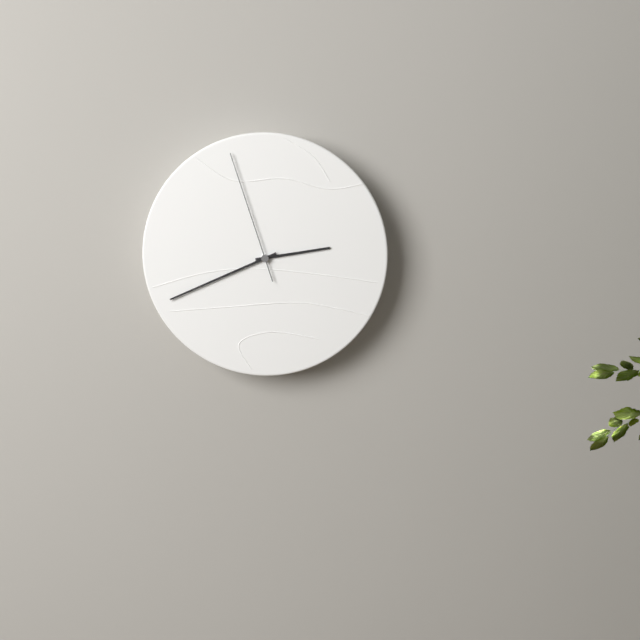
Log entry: {"hour": 2, "minute": 41, "second": 57}
